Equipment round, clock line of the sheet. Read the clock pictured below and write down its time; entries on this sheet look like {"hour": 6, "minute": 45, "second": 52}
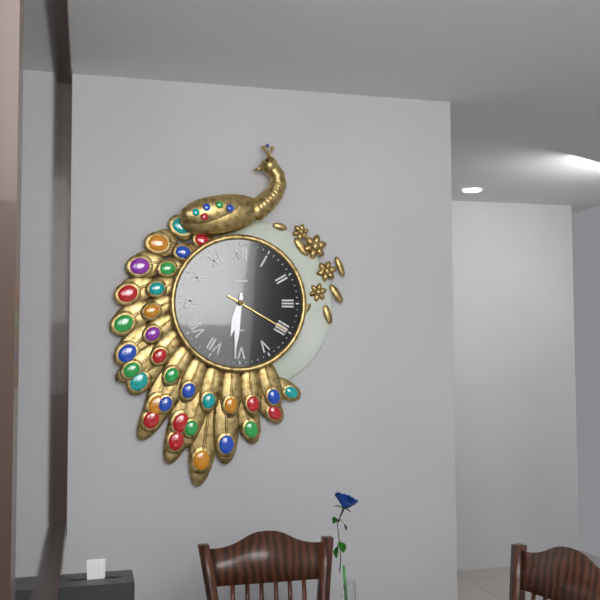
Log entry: {"hour": 6, "minute": 31, "second": 20}
